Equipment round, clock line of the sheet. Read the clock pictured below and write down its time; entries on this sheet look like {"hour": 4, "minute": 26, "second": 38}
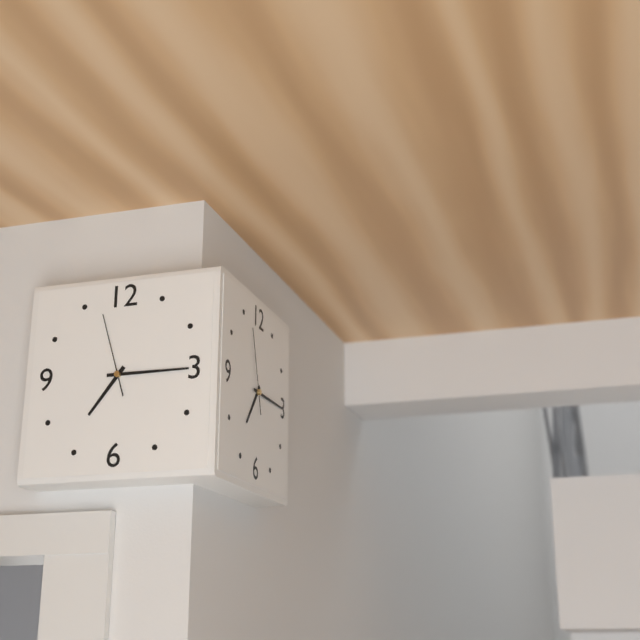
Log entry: {"hour": 7, "minute": 15, "second": 57}
